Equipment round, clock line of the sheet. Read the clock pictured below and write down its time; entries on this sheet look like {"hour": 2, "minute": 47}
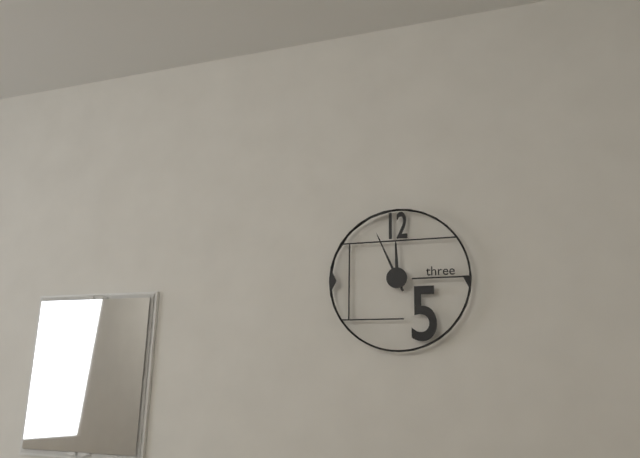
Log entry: {"hour": 11, "minute": 56}
